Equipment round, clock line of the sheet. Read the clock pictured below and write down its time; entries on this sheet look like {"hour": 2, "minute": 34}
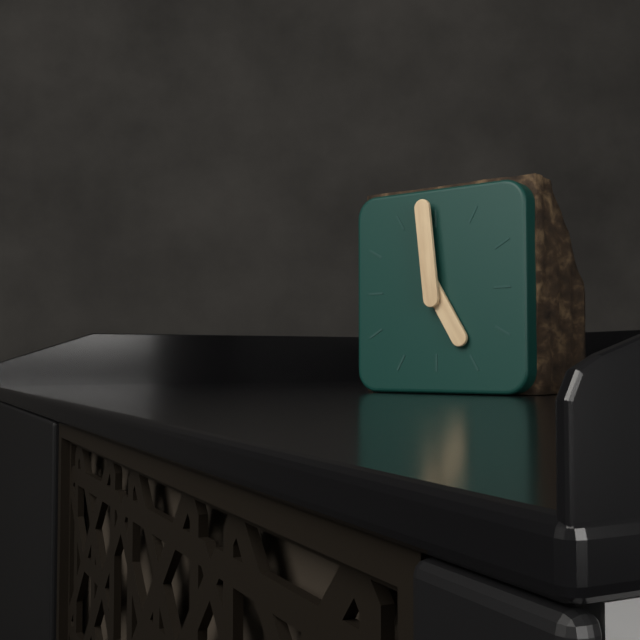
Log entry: {"hour": 4, "minute": 59}
